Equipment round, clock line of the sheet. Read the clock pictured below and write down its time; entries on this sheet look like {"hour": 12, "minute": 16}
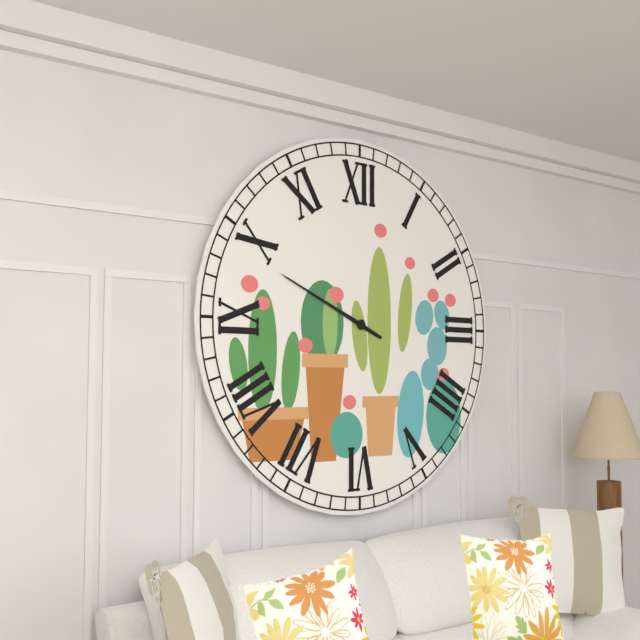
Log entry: {"hour": 9, "minute": 49}
